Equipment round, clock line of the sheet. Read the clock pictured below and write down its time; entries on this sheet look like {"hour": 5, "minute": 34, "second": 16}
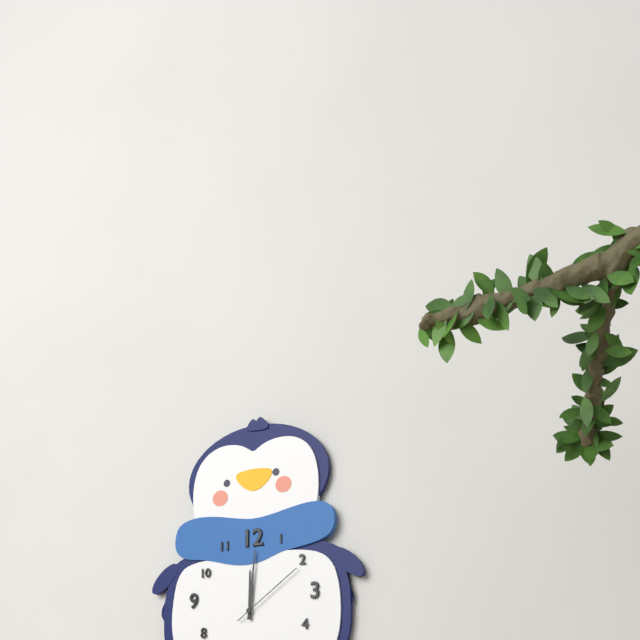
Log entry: {"hour": 12, "minute": 1, "second": 9}
